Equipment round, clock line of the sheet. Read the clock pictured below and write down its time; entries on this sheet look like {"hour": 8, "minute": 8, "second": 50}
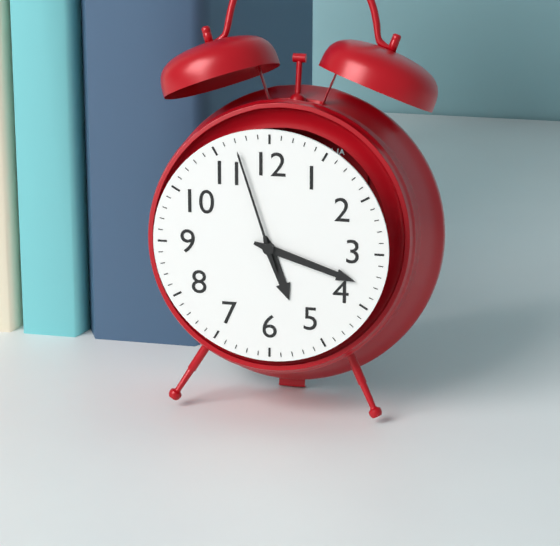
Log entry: {"hour": 5, "minute": 18, "second": 57}
